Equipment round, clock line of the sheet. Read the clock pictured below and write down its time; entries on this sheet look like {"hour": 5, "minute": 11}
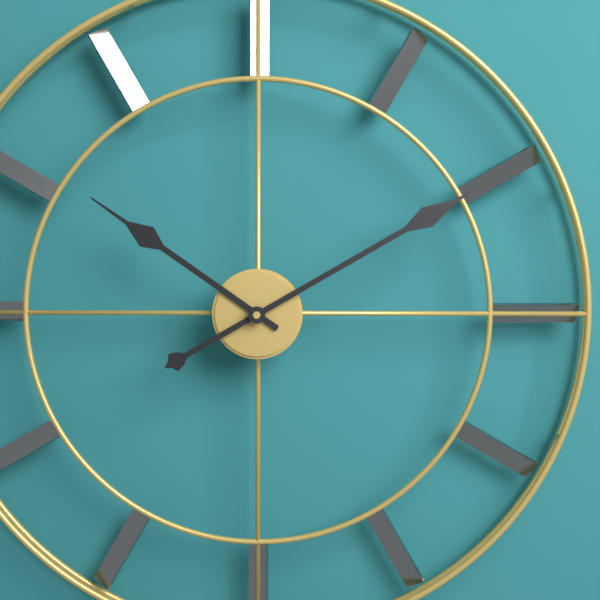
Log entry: {"hour": 10, "minute": 10}
